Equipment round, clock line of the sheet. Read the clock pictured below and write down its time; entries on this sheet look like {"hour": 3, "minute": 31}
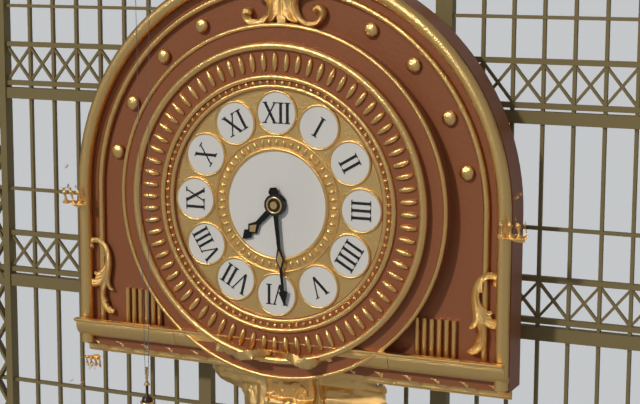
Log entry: {"hour": 7, "minute": 29}
